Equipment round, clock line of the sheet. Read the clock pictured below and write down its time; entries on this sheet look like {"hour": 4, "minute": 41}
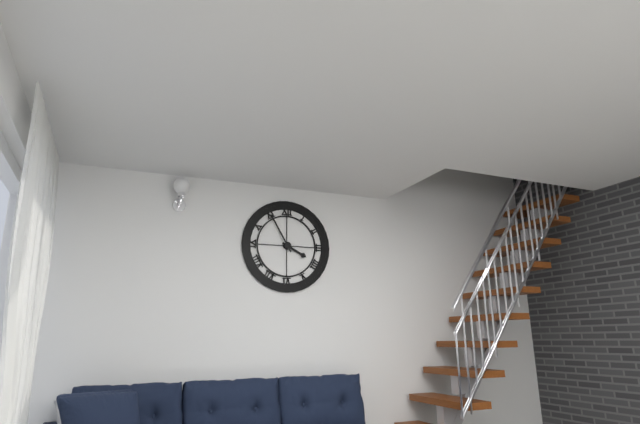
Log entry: {"hour": 3, "minute": 55}
